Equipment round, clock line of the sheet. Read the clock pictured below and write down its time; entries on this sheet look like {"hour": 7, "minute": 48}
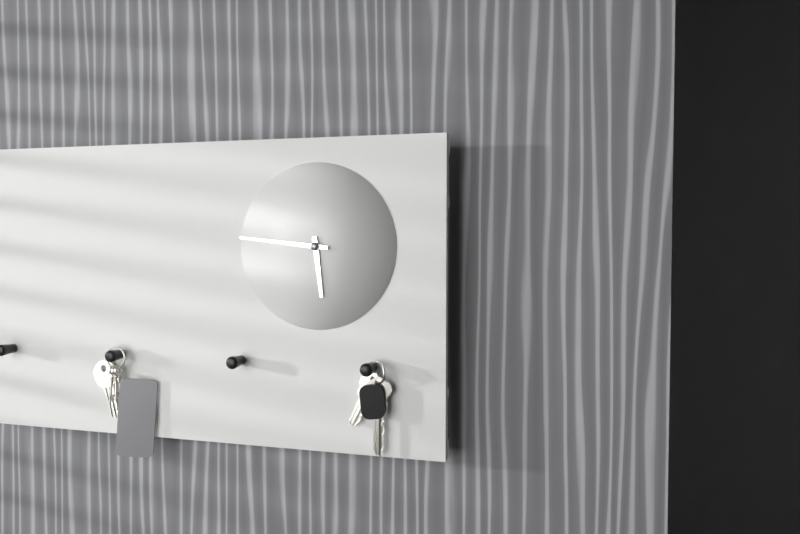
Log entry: {"hour": 5, "minute": 46}
